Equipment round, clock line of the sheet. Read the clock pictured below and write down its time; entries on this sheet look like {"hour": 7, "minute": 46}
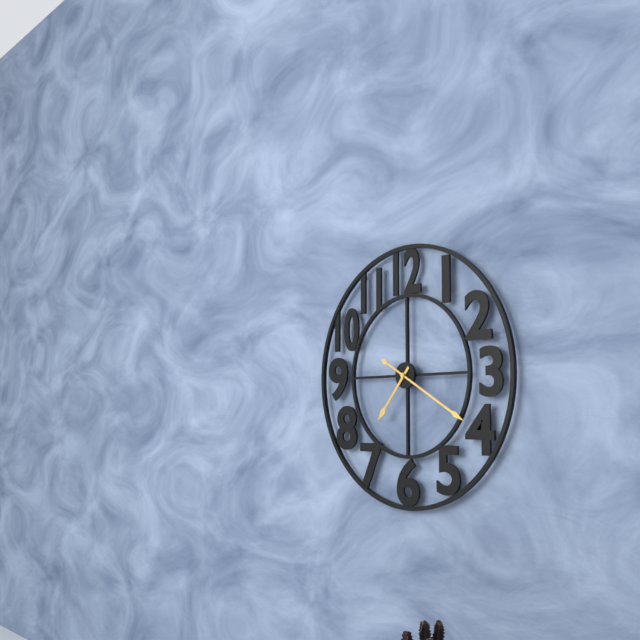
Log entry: {"hour": 7, "minute": 20}
